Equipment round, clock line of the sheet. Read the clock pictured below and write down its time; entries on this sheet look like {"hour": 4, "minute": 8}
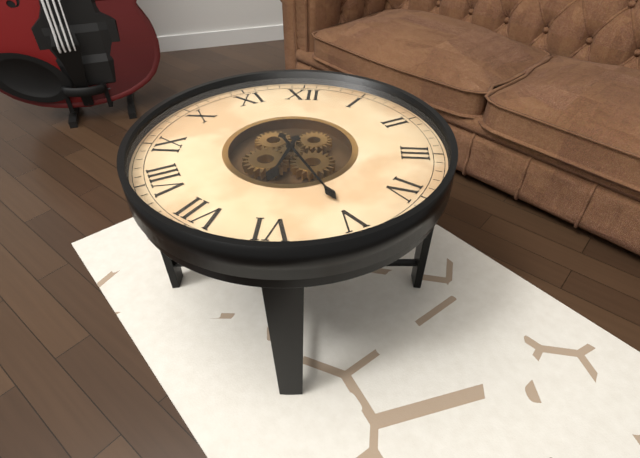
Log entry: {"hour": 6, "minute": 25}
